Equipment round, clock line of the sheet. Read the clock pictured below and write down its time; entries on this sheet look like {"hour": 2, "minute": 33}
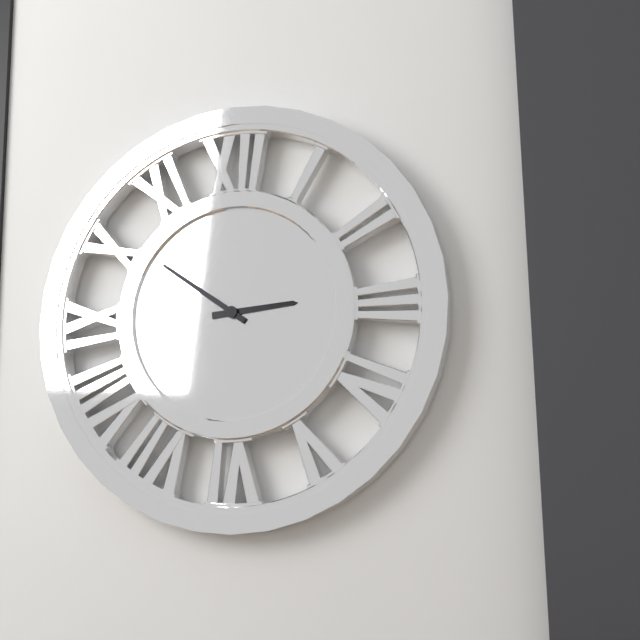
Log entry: {"hour": 2, "minute": 51}
